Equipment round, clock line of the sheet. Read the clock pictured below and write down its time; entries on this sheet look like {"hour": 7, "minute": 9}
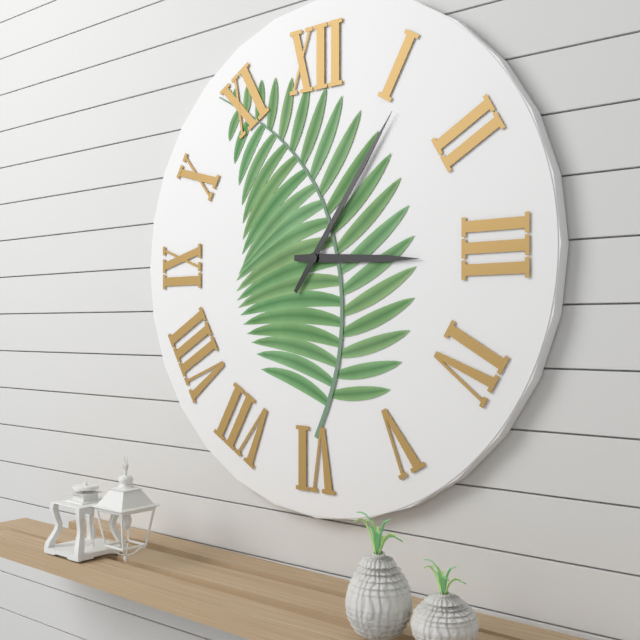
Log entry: {"hour": 3, "minute": 6}
